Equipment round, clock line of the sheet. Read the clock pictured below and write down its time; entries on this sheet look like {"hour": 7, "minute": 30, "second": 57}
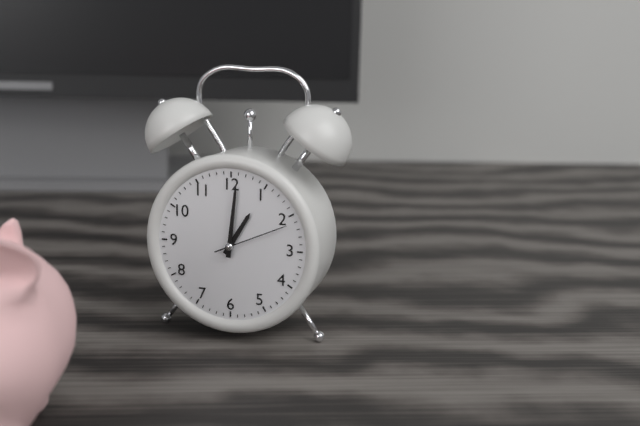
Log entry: {"hour": 1, "minute": 1, "second": 11}
